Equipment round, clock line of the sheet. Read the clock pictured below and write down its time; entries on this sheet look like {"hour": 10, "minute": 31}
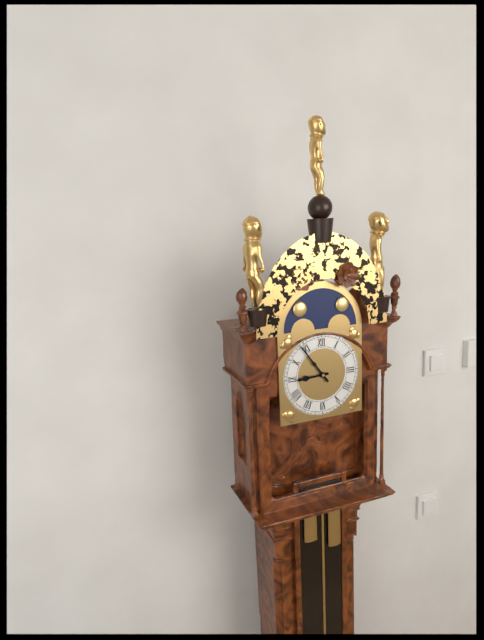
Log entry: {"hour": 8, "minute": 54}
